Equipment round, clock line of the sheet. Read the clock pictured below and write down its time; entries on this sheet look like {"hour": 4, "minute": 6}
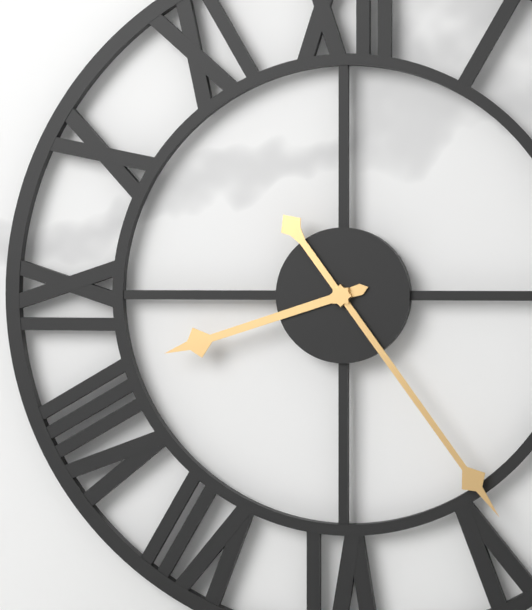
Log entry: {"hour": 8, "minute": 24}
